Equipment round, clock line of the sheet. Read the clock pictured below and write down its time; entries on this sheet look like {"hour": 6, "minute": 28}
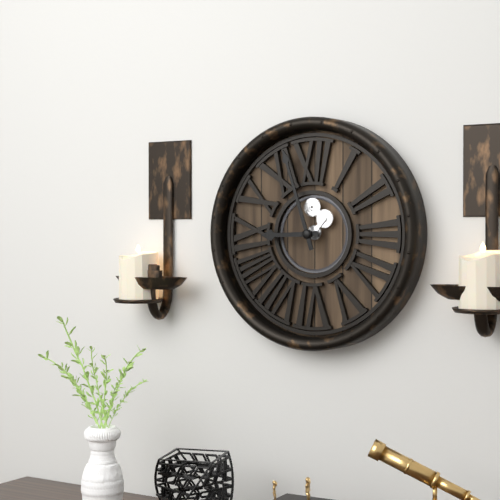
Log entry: {"hour": 8, "minute": 57}
